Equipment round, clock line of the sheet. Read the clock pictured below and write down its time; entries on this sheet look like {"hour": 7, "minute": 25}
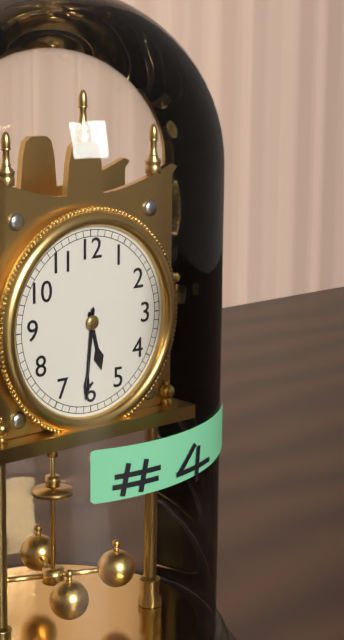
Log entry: {"hour": 5, "minute": 31}
